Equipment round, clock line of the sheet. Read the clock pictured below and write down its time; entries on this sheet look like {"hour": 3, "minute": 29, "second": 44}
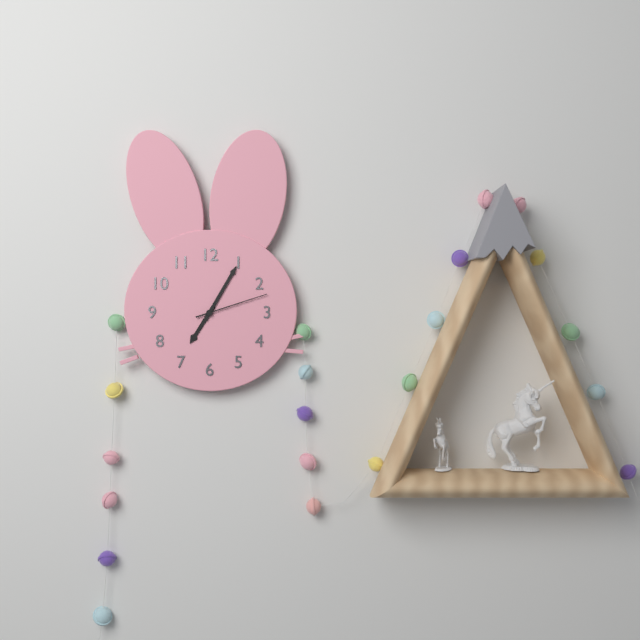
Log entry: {"hour": 7, "minute": 5, "second": 12}
